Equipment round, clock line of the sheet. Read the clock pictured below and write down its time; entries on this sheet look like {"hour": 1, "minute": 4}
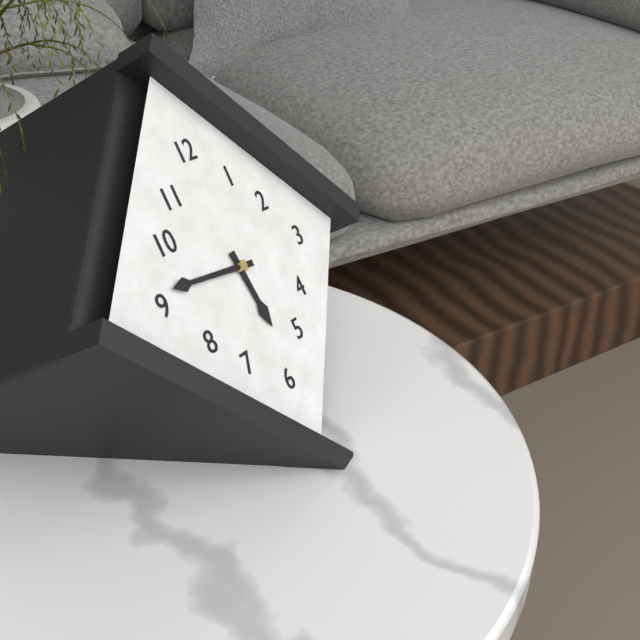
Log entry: {"hour": 5, "minute": 46}
